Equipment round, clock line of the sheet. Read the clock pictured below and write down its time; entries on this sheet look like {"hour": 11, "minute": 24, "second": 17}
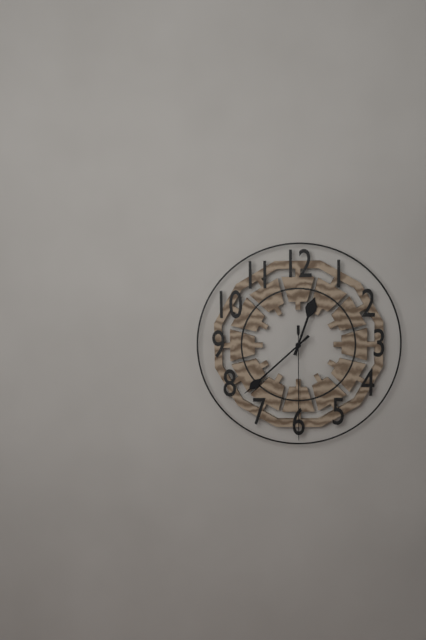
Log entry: {"hour": 12, "minute": 38, "second": 30}
